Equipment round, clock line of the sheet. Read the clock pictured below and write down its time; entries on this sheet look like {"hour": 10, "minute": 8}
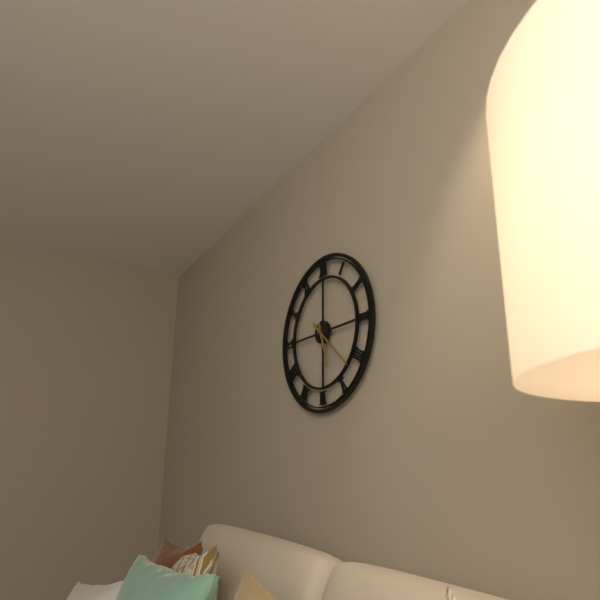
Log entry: {"hour": 5, "minute": 22}
